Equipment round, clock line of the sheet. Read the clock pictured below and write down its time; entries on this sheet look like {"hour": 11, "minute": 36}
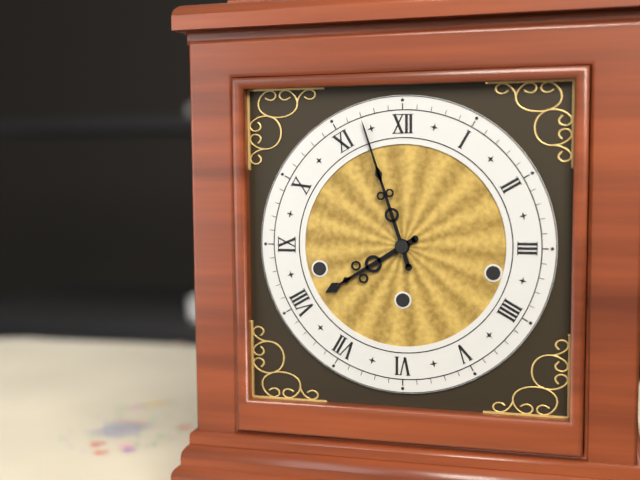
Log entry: {"hour": 7, "minute": 57}
